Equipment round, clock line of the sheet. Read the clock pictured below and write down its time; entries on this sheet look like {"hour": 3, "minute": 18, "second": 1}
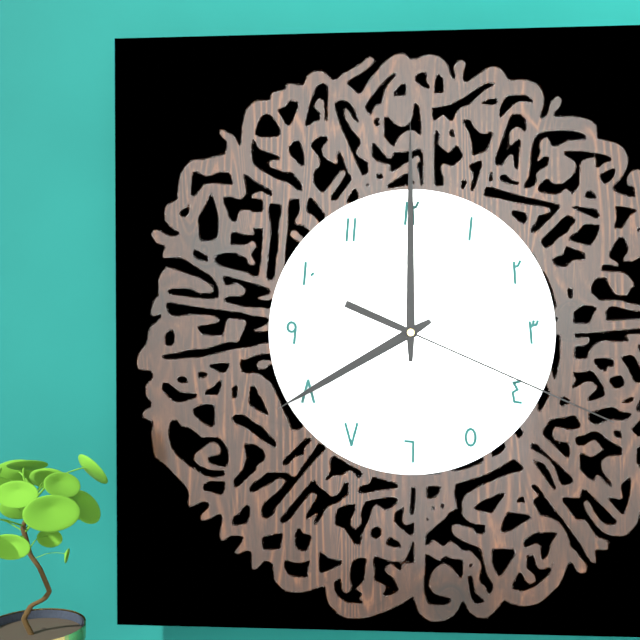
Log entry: {"hour": 8, "minute": 0, "second": 19}
